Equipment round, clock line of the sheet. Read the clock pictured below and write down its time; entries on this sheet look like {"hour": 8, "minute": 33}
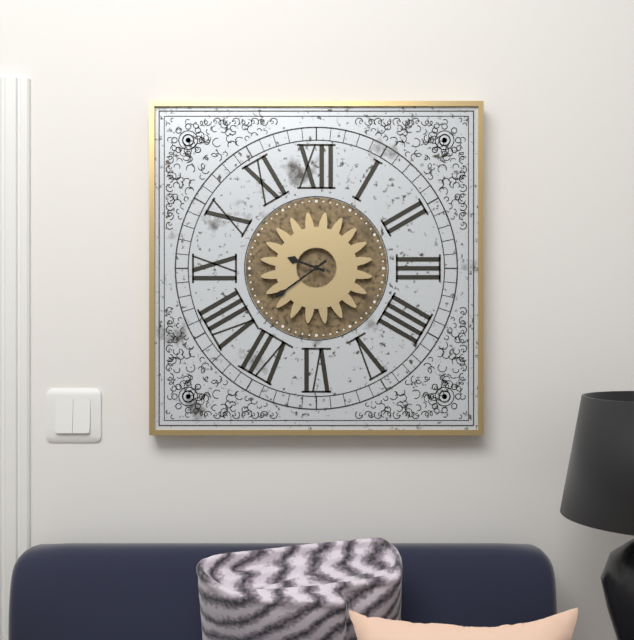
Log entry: {"hour": 9, "minute": 39}
